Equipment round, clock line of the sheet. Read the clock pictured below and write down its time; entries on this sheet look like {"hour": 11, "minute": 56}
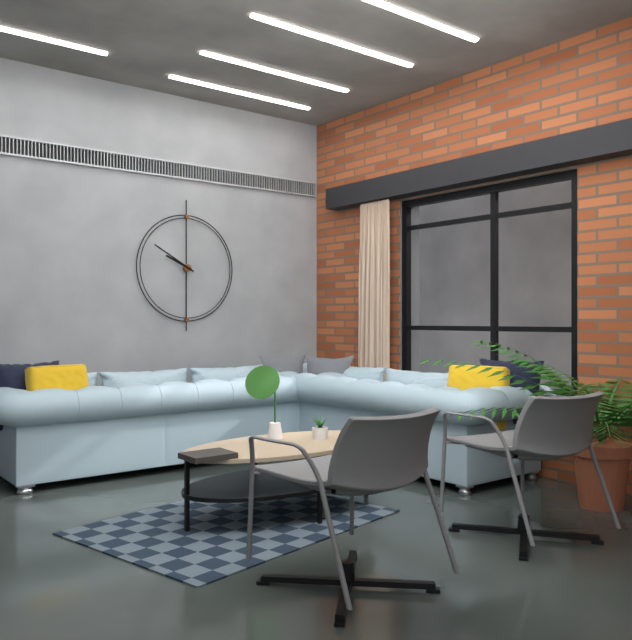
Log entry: {"hour": 9, "minute": 50}
